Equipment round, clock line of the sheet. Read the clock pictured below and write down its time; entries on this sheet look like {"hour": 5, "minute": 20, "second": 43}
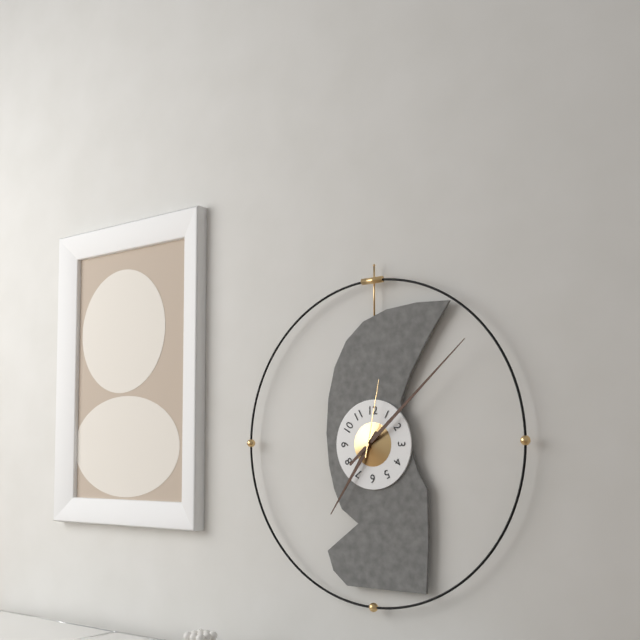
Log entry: {"hour": 7, "minute": 8, "second": 2}
